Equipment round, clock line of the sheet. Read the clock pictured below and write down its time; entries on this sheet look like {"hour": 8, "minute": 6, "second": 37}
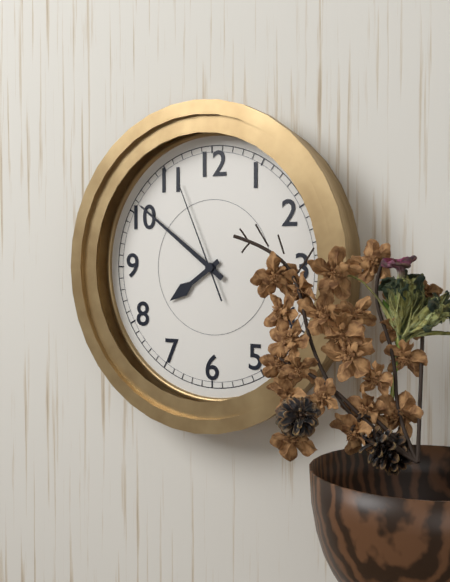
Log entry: {"hour": 7, "minute": 51, "second": 56}
